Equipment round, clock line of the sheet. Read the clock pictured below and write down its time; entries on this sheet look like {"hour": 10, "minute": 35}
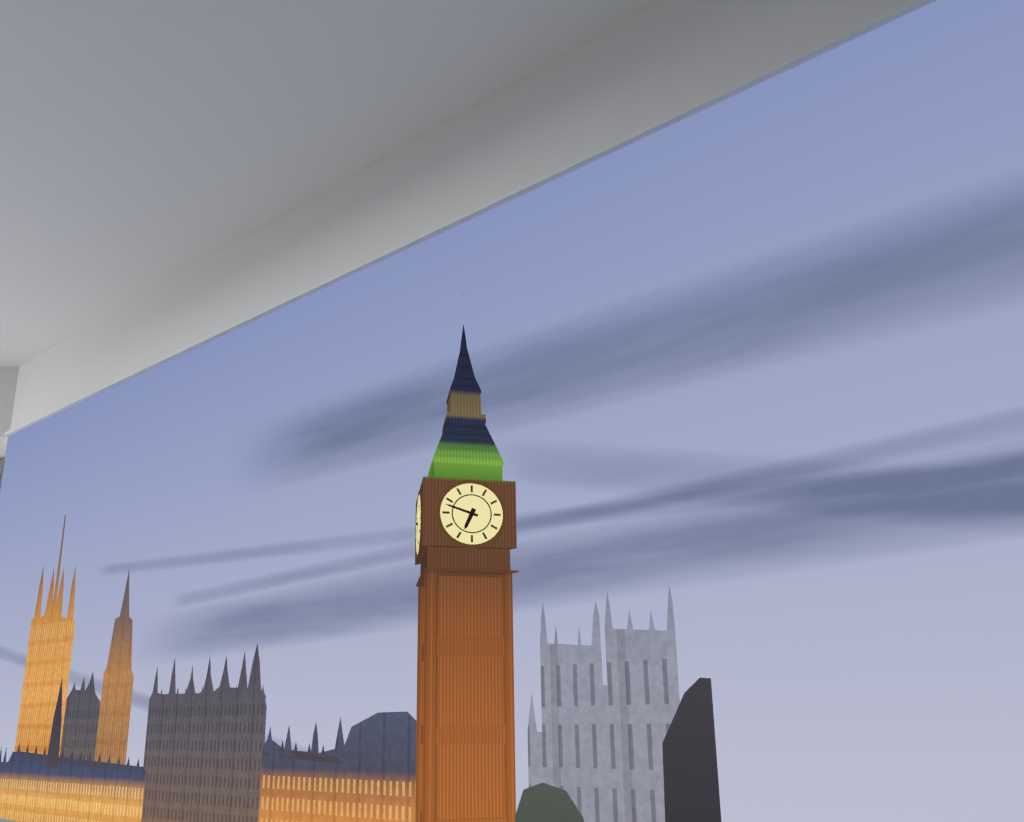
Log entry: {"hour": 6, "minute": 48}
